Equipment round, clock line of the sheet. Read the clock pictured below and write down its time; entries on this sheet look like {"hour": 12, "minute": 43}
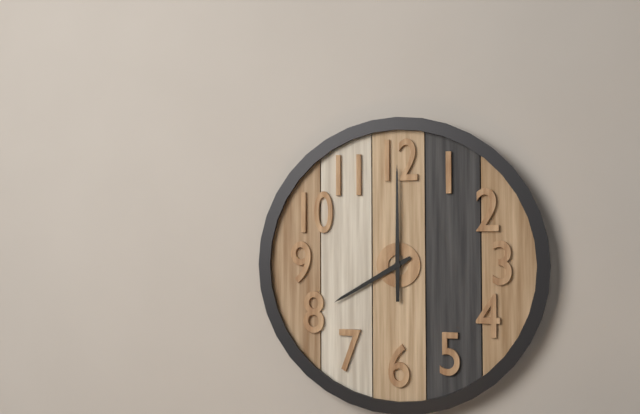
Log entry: {"hour": 8, "minute": 0}
